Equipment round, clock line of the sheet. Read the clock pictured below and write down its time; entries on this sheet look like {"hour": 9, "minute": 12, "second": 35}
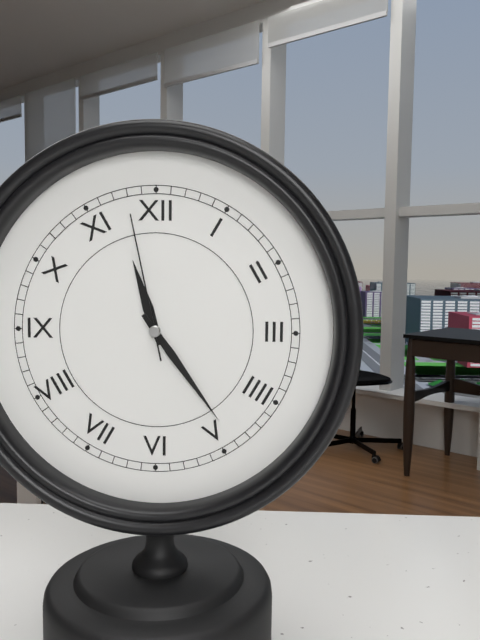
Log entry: {"hour": 11, "minute": 24, "second": 58}
